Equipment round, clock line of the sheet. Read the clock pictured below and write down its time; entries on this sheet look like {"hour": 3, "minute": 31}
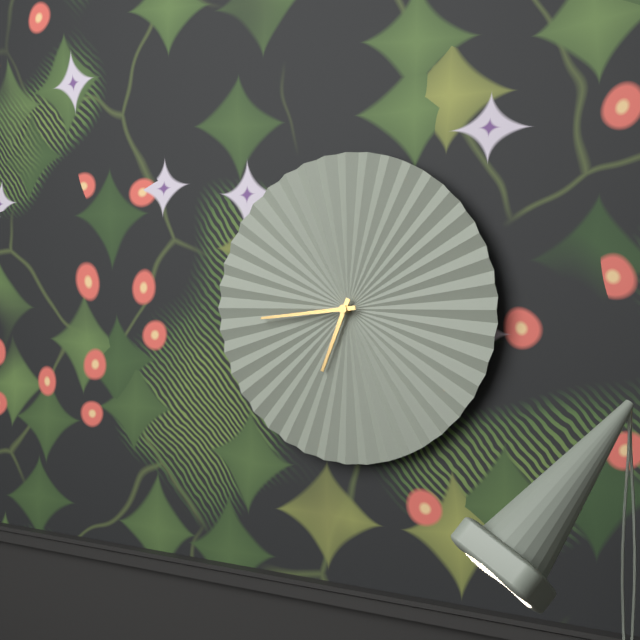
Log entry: {"hour": 6, "minute": 44}
